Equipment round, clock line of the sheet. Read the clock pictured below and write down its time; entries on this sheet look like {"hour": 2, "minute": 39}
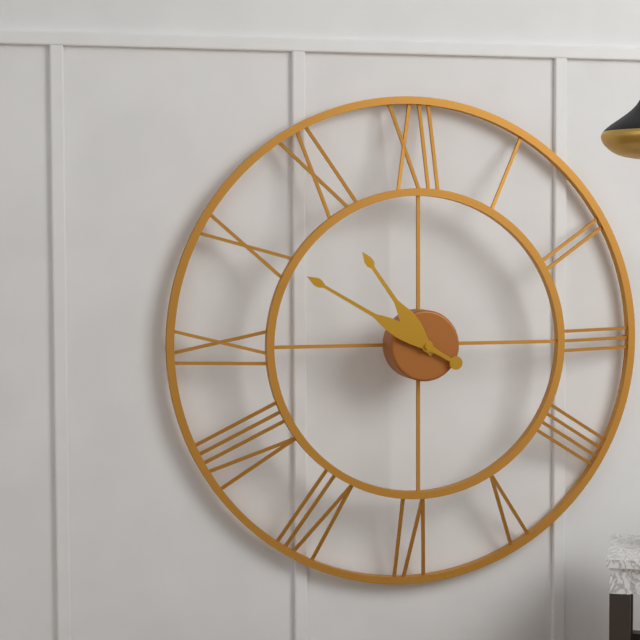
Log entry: {"hour": 10, "minute": 50}
